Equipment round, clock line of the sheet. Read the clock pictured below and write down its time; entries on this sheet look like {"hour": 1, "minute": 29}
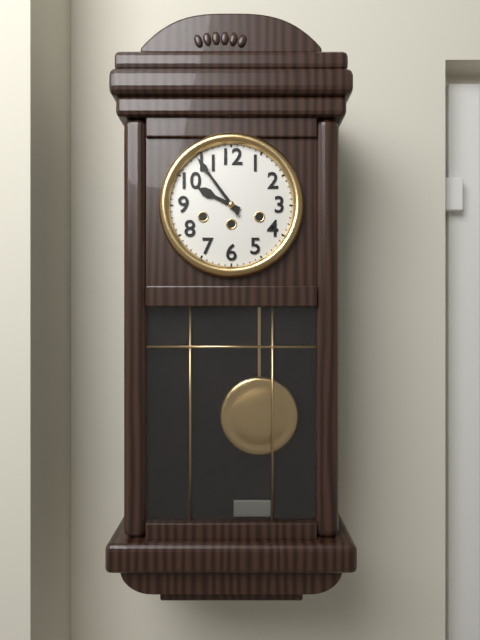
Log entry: {"hour": 9, "minute": 54}
